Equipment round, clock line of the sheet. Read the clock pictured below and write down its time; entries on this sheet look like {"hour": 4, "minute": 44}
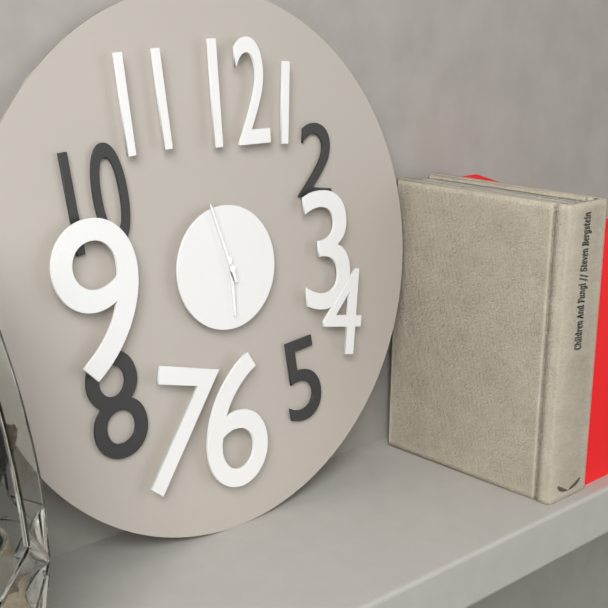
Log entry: {"hour": 5, "minute": 57}
